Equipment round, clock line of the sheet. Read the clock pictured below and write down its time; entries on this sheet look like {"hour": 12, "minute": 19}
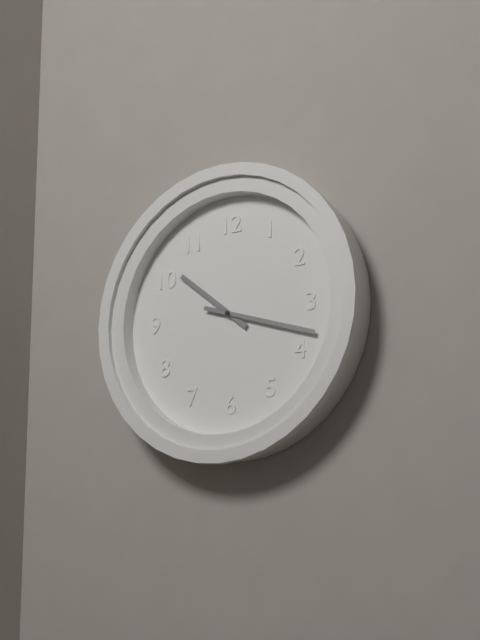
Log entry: {"hour": 10, "minute": 18}
